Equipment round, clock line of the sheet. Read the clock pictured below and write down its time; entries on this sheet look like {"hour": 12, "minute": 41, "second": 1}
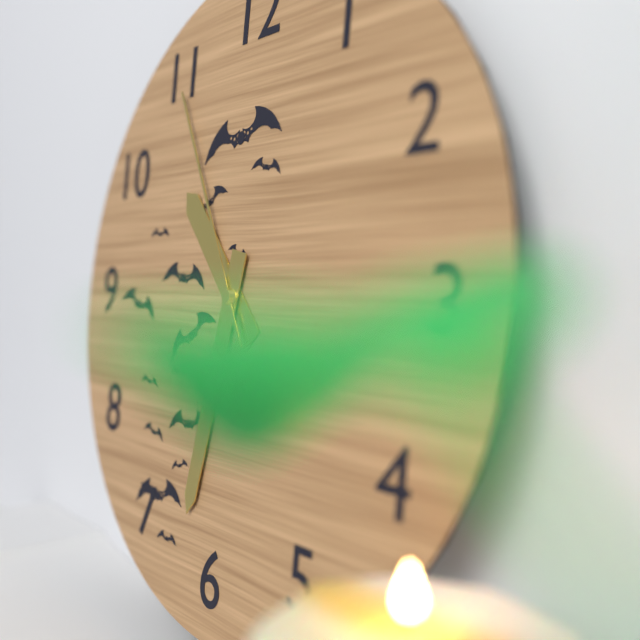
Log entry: {"hour": 10, "minute": 32, "second": 55}
